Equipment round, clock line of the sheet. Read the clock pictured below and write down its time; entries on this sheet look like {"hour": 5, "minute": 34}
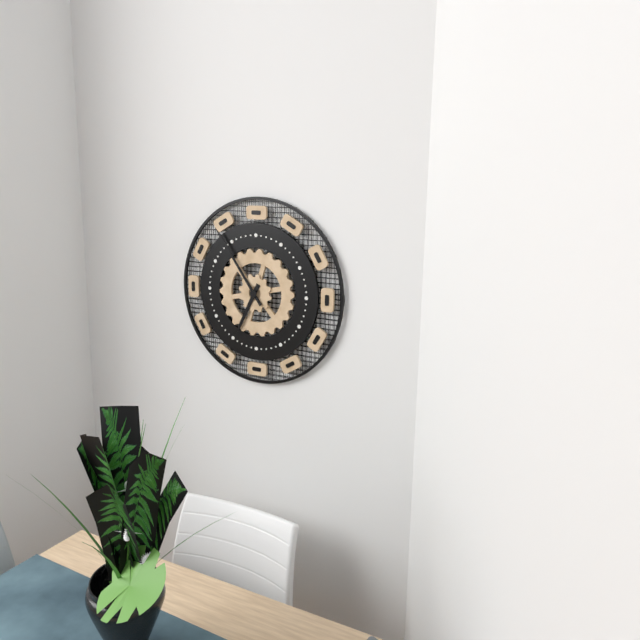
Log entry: {"hour": 6, "minute": 54}
